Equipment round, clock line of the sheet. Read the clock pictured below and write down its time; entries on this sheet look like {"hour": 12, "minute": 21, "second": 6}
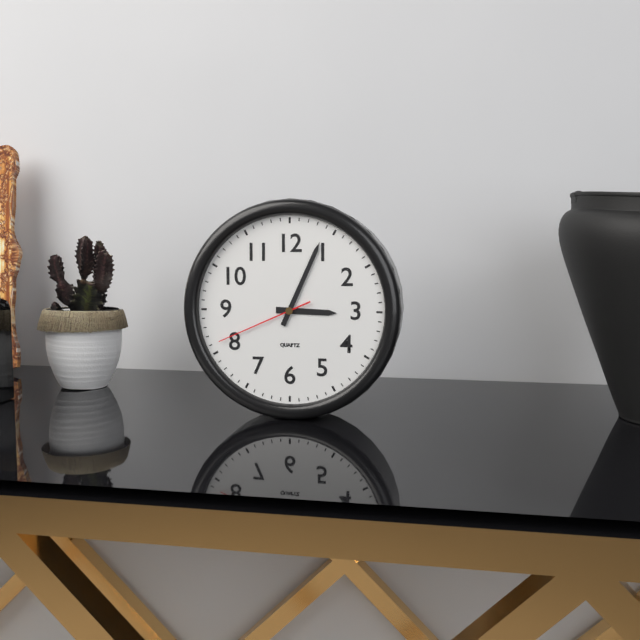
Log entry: {"hour": 3, "minute": 4, "second": 41}
